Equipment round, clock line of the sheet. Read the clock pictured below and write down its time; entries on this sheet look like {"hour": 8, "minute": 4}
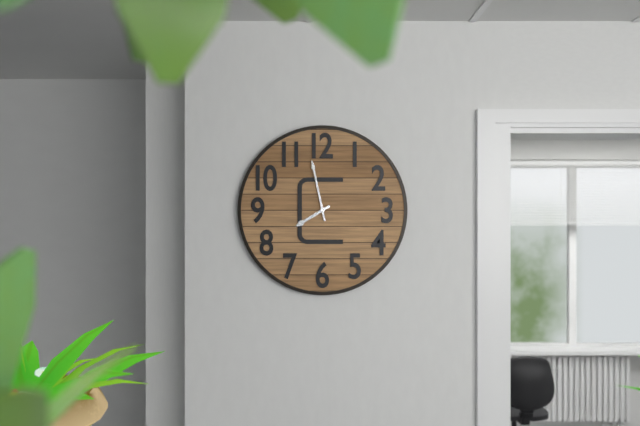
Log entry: {"hour": 7, "minute": 58}
